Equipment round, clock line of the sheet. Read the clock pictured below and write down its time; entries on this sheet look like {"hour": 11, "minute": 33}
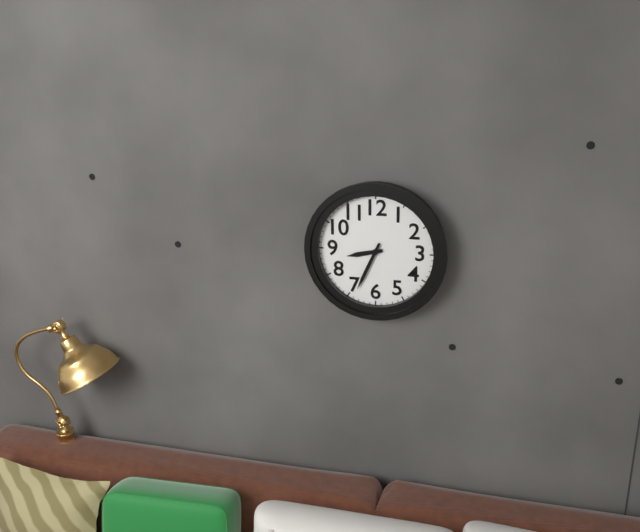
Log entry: {"hour": 8, "minute": 34}
